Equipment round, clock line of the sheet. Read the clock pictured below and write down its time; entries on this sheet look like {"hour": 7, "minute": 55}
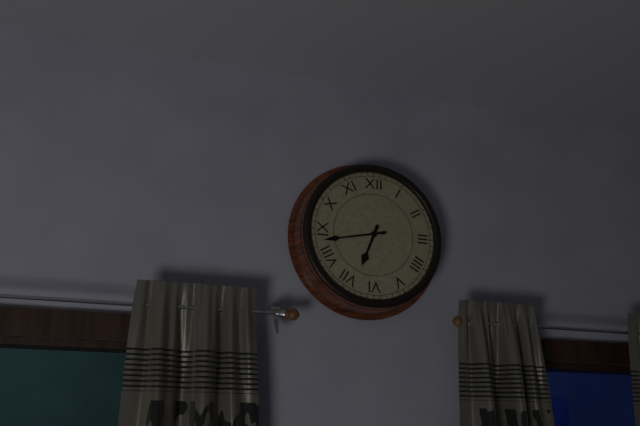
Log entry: {"hour": 6, "minute": 43}
